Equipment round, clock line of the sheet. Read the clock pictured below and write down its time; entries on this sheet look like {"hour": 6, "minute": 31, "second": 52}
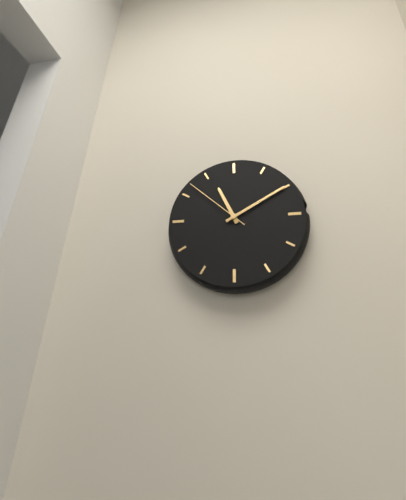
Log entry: {"hour": 11, "minute": 10, "second": 52}
